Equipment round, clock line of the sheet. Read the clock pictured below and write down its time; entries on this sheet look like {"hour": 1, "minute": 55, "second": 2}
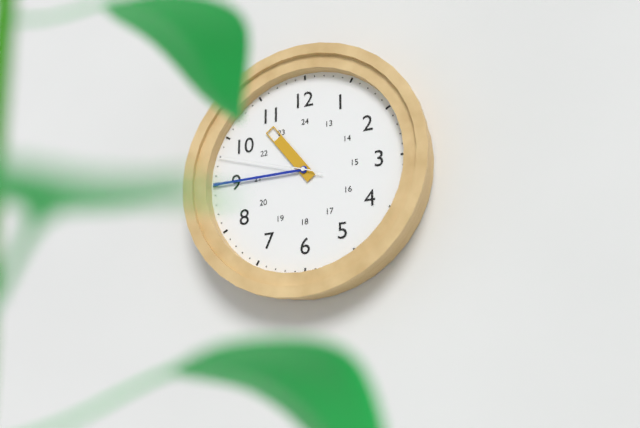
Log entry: {"hour": 10, "minute": 45, "second": 48}
